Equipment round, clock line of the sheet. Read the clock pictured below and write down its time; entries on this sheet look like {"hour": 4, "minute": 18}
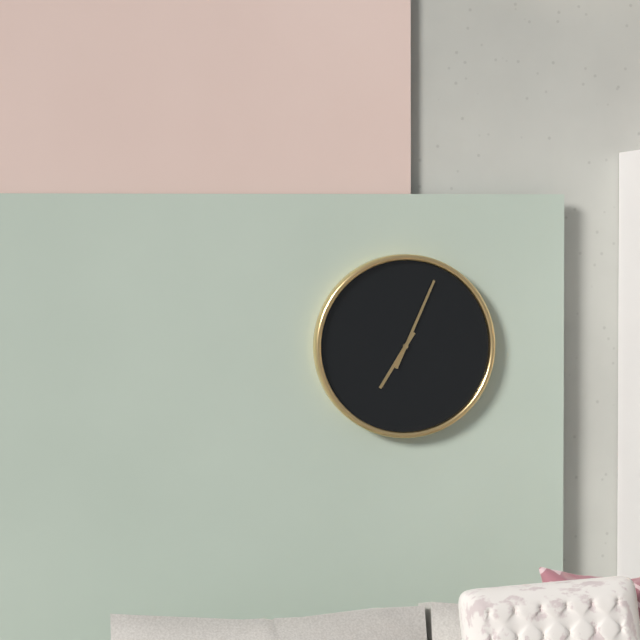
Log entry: {"hour": 7, "minute": 4}
